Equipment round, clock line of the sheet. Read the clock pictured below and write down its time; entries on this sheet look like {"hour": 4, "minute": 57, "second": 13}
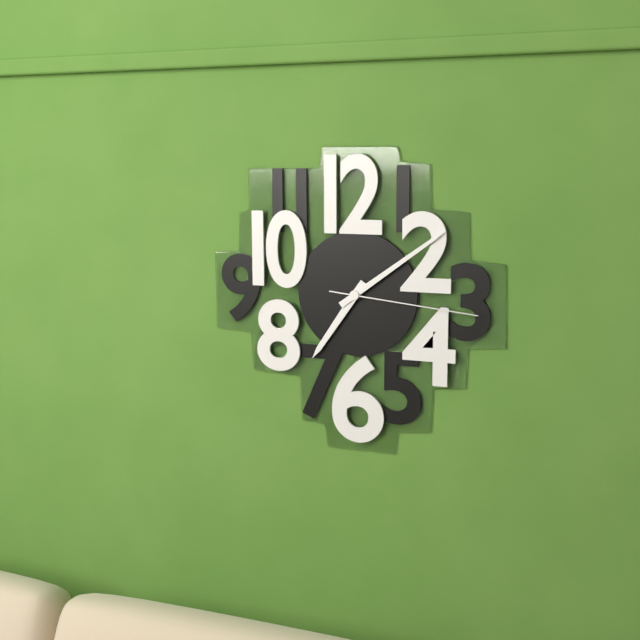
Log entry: {"hour": 7, "minute": 9, "second": 16}
